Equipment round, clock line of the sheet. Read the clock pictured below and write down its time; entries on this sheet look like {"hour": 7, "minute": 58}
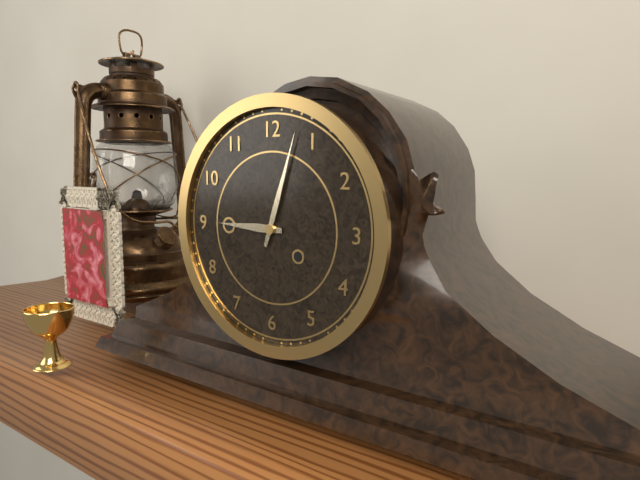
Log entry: {"hour": 9, "minute": 3}
